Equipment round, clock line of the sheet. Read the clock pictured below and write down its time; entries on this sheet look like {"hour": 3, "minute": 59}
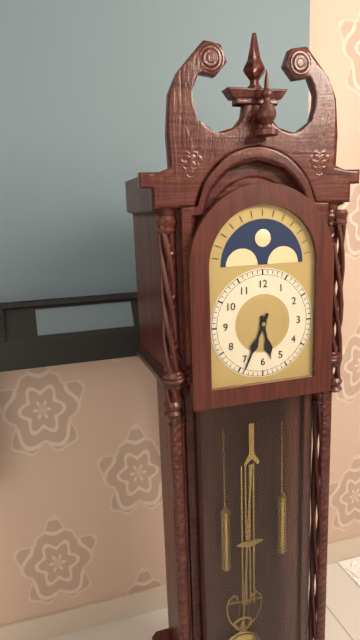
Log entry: {"hour": 5, "minute": 34}
